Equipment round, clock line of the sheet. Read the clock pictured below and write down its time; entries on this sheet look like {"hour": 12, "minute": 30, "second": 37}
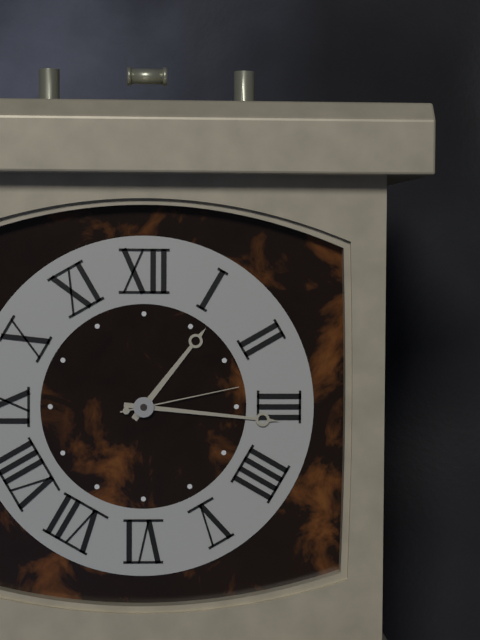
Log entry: {"hour": 1, "minute": 16, "second": 13}
